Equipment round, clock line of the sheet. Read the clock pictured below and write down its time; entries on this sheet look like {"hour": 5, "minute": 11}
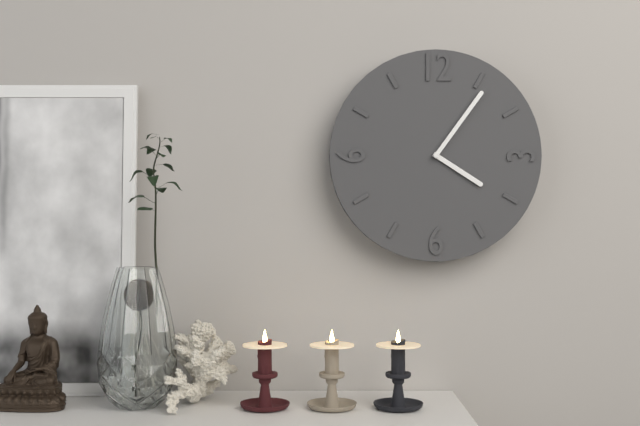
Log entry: {"hour": 4, "minute": 6}
